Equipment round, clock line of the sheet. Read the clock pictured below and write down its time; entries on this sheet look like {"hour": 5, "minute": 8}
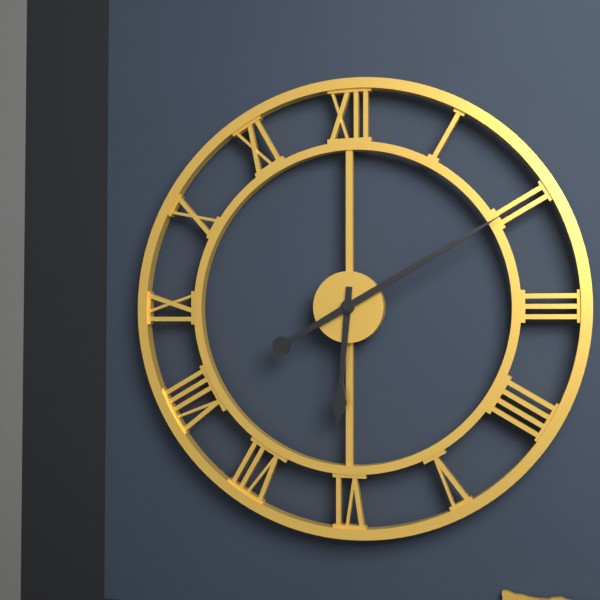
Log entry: {"hour": 6, "minute": 10}
